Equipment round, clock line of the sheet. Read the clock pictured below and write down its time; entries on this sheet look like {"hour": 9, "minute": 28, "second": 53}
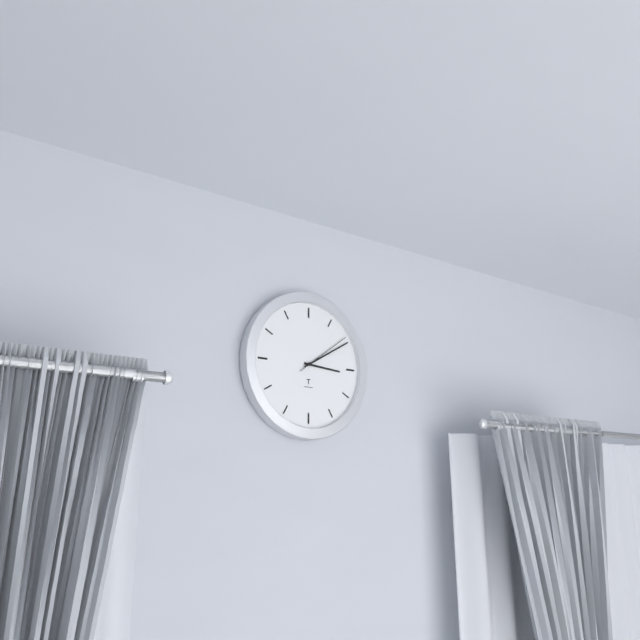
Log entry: {"hour": 3, "minute": 10, "second": 9}
